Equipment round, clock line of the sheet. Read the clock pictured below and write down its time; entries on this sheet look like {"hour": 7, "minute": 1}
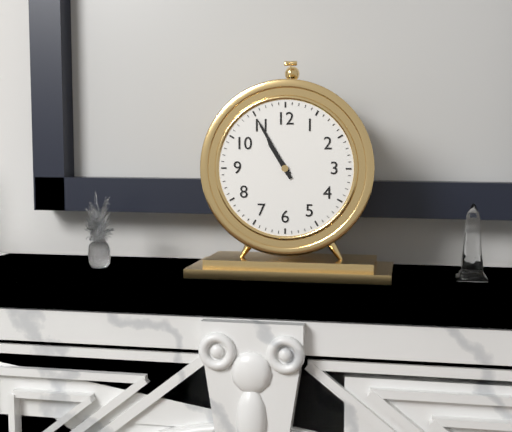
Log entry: {"hour": 10, "minute": 55}
